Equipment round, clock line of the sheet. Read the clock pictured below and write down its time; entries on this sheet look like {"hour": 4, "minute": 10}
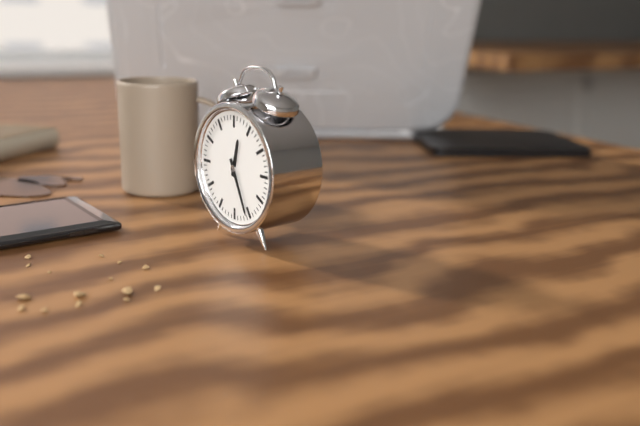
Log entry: {"hour": 12, "minute": 26}
